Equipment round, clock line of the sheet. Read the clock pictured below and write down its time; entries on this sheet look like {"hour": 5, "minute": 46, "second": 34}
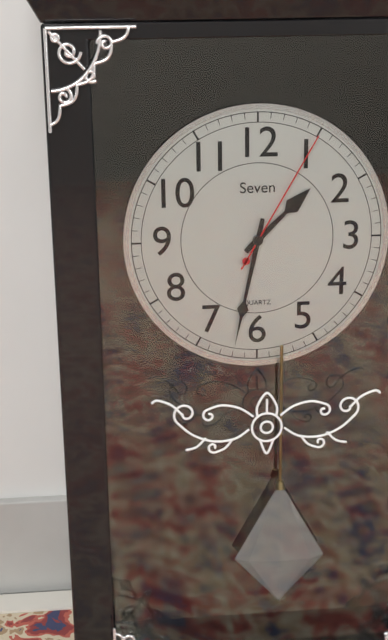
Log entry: {"hour": 1, "minute": 32, "second": 5}
